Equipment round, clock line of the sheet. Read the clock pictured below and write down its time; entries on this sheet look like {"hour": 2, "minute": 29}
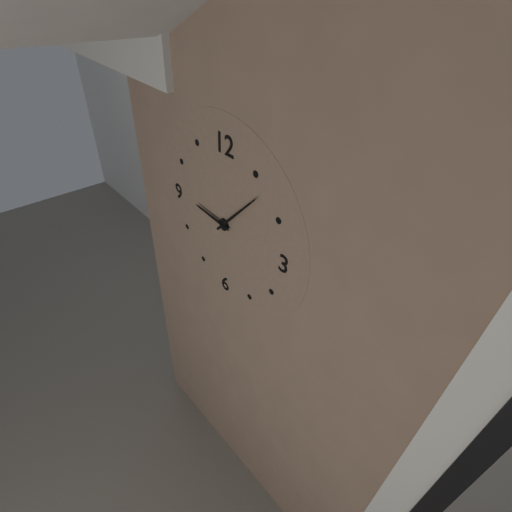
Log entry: {"hour": 9, "minute": 7}
